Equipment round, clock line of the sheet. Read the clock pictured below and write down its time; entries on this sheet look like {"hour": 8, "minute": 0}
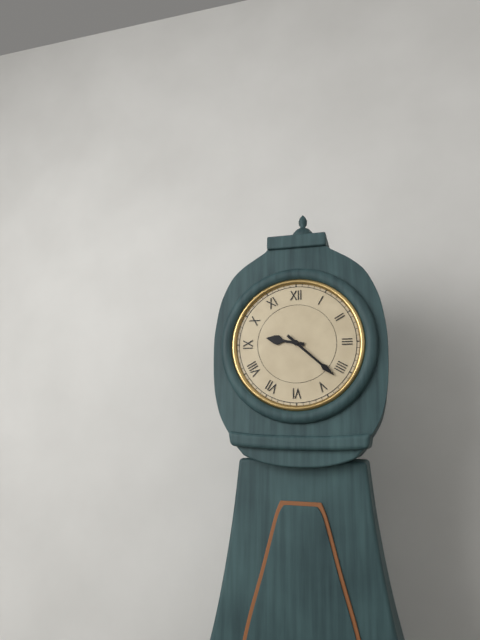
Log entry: {"hour": 9, "minute": 22}
